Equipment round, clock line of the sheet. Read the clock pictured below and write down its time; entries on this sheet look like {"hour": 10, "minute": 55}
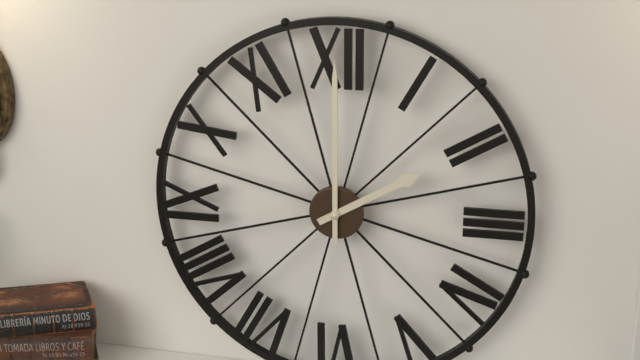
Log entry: {"hour": 2, "minute": 0}
